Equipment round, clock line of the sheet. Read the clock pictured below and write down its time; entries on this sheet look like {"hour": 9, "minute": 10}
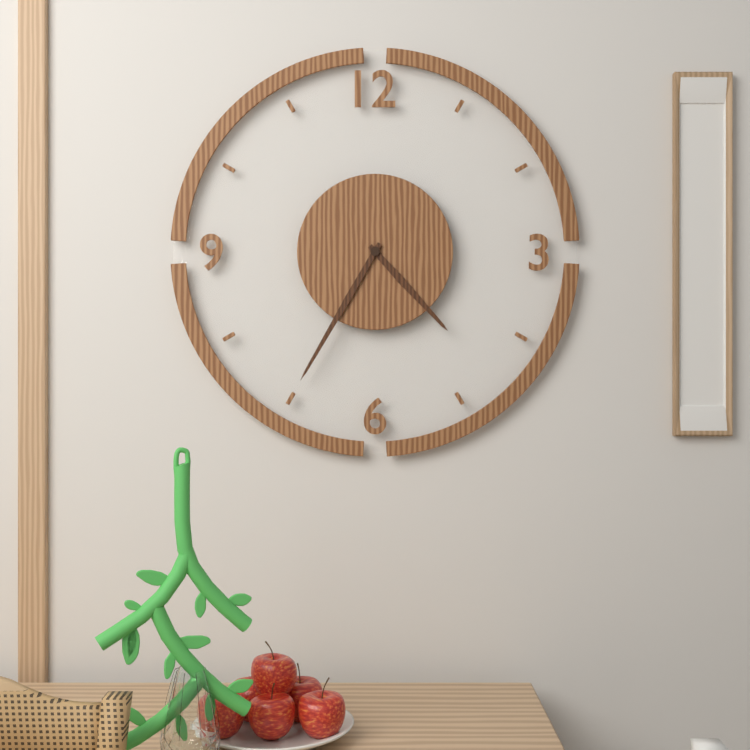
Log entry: {"hour": 4, "minute": 35}
